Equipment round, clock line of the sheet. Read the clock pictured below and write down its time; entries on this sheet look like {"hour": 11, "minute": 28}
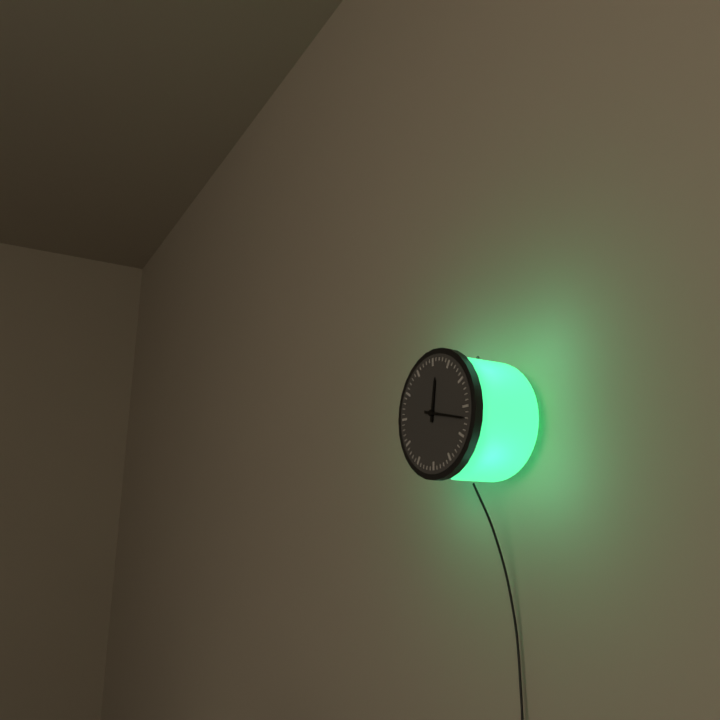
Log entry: {"hour": 12, "minute": 17}
